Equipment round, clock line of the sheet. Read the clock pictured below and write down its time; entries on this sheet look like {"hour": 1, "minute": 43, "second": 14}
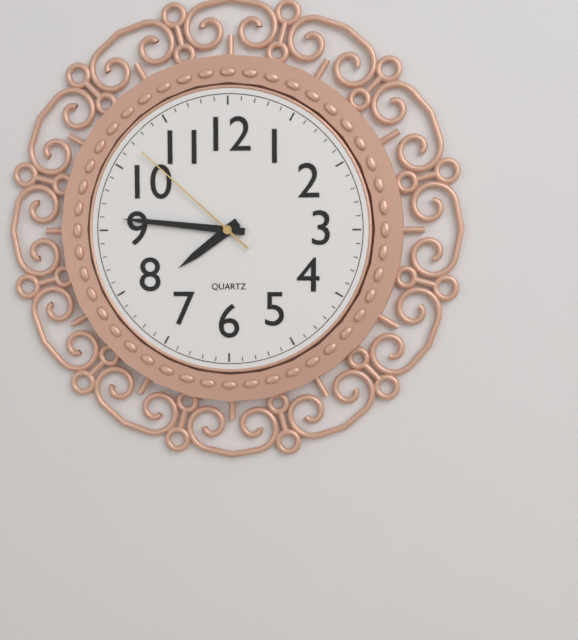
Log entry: {"hour": 7, "minute": 46, "second": 52}
